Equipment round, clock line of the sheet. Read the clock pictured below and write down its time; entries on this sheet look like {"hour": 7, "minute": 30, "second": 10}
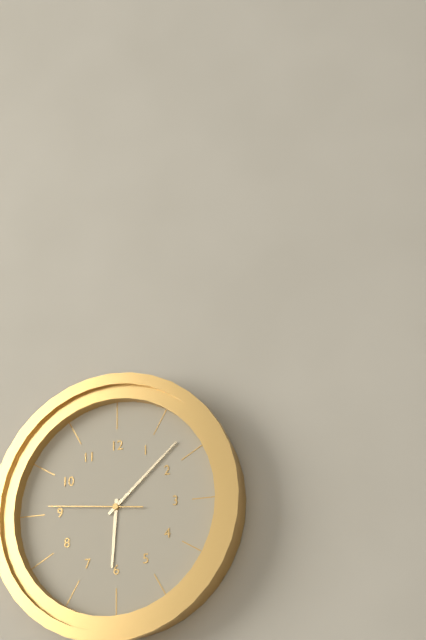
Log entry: {"hour": 6, "minute": 8, "second": 46}
